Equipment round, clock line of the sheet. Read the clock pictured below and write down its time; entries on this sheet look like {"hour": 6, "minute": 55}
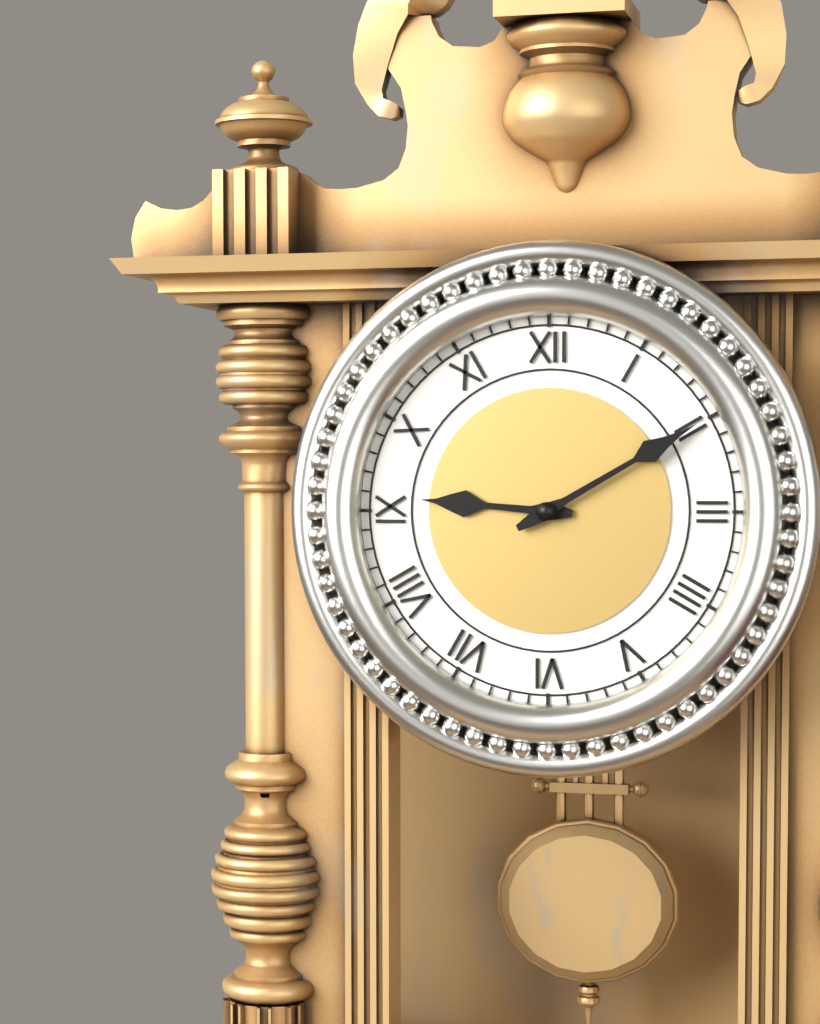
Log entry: {"hour": 9, "minute": 10}
